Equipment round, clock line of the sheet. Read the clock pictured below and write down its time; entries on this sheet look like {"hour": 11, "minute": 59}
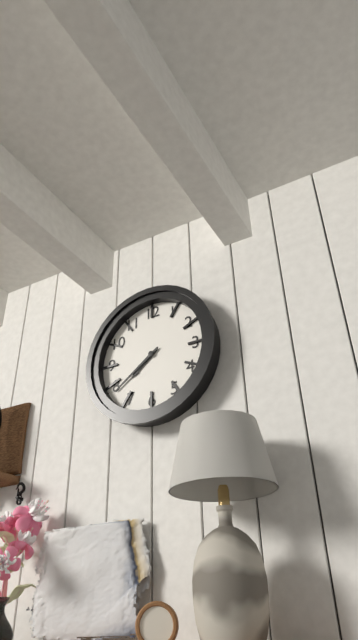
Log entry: {"hour": 7, "minute": 39}
